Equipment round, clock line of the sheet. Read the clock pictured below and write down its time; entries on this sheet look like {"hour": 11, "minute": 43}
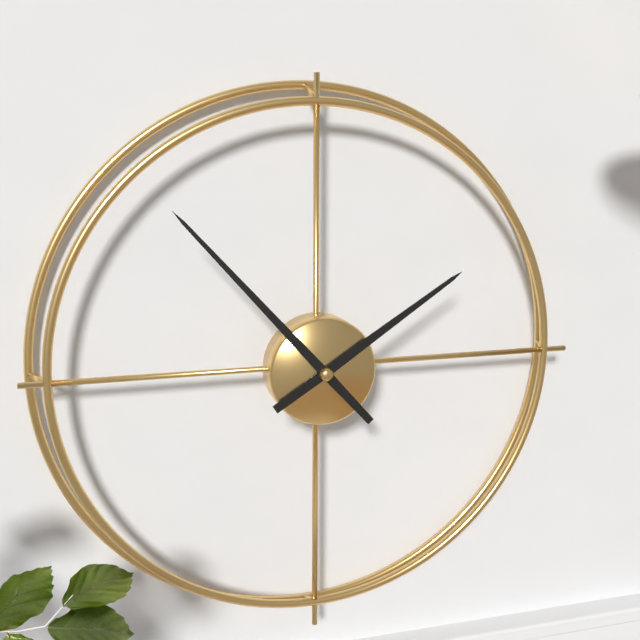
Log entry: {"hour": 1, "minute": 53}
